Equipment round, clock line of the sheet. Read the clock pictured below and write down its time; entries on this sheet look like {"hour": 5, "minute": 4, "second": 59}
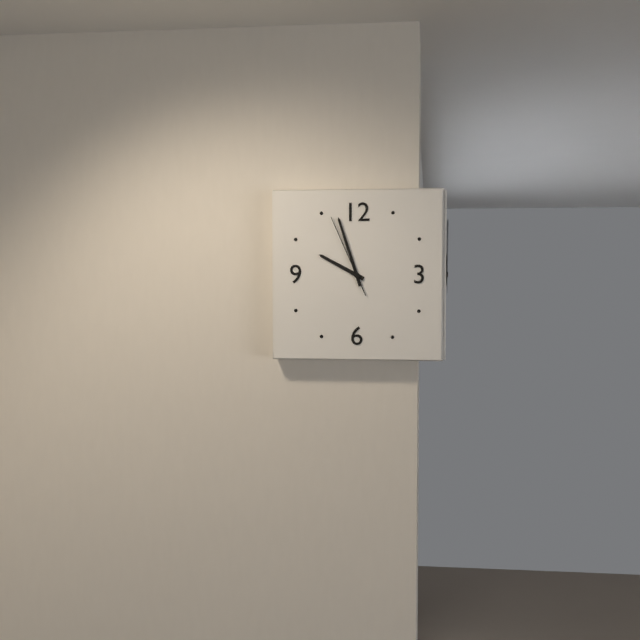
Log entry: {"hour": 9, "minute": 57, "second": 56}
